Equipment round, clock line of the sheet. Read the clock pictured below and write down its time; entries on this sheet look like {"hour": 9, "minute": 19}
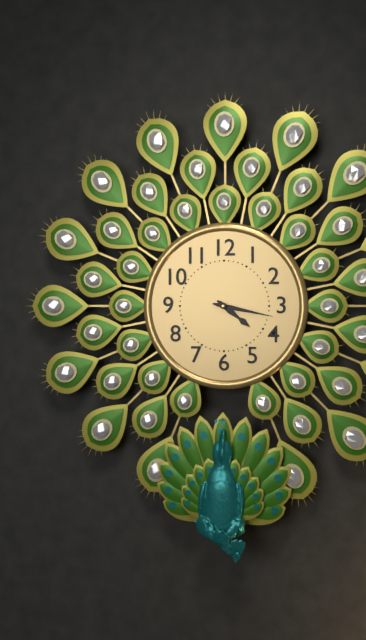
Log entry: {"hour": 4, "minute": 17}
